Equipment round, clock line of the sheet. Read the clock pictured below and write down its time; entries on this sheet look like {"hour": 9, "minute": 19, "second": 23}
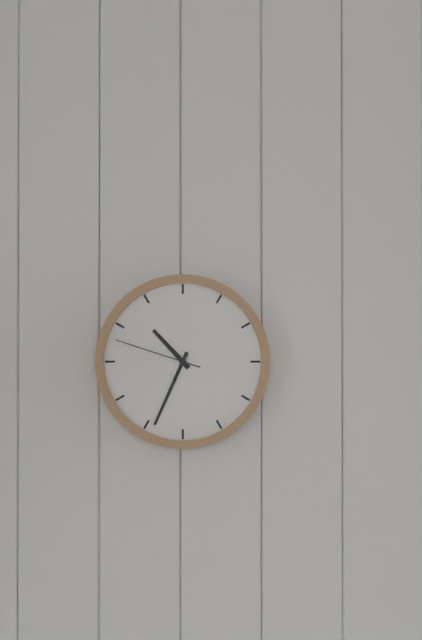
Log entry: {"hour": 10, "minute": 34, "second": 48}
